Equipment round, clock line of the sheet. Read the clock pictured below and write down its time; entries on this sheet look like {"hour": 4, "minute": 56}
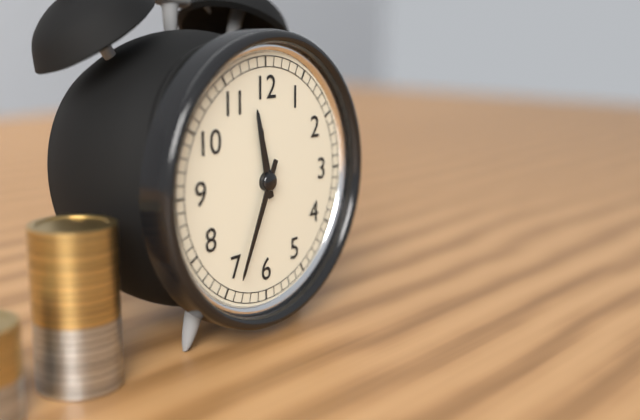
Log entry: {"hour": 11, "minute": 34}
